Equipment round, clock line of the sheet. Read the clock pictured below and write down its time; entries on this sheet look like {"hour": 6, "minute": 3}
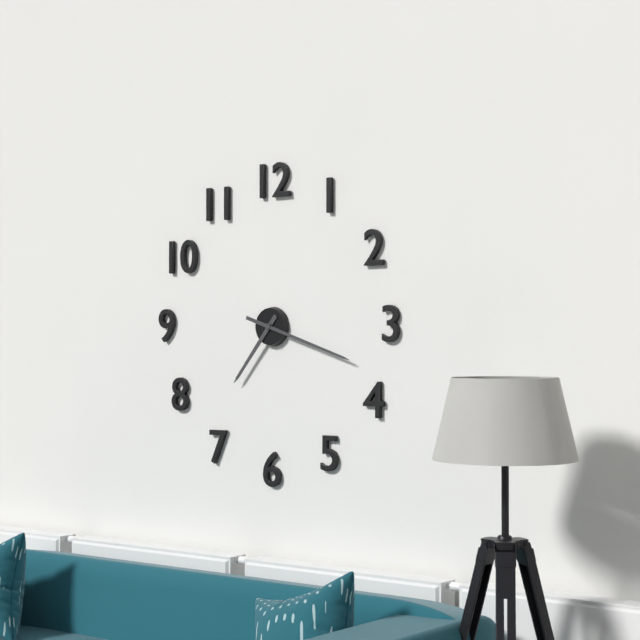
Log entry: {"hour": 7, "minute": 18}
